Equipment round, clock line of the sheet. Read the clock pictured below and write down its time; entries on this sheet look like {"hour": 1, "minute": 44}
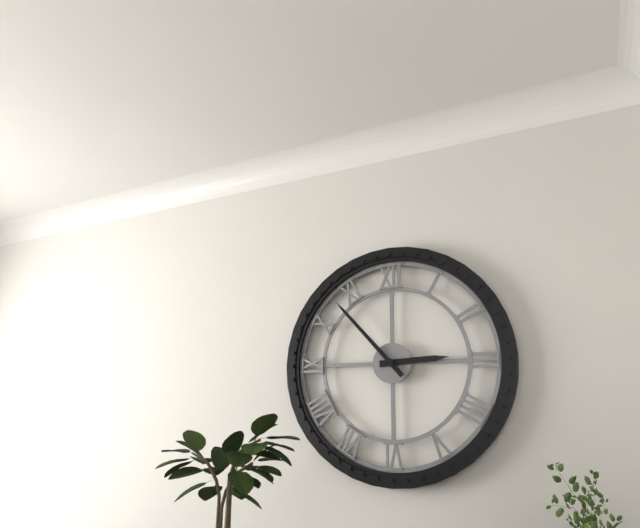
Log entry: {"hour": 2, "minute": 53}
